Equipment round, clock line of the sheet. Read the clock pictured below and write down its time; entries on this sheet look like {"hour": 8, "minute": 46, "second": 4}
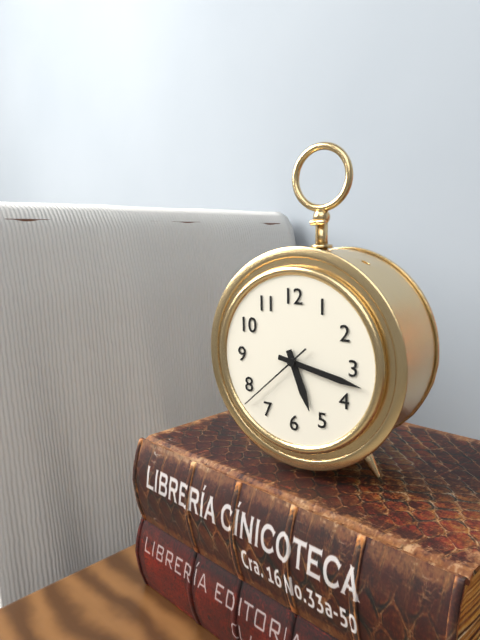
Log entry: {"hour": 5, "minute": 17, "second": 38}
